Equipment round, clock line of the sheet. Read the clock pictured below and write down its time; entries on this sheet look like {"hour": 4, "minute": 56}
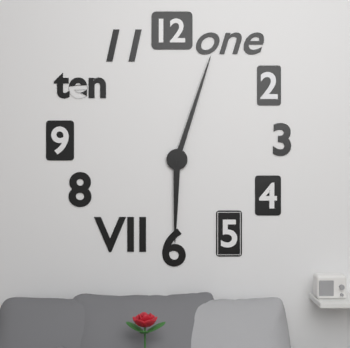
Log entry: {"hour": 6, "minute": 3}
